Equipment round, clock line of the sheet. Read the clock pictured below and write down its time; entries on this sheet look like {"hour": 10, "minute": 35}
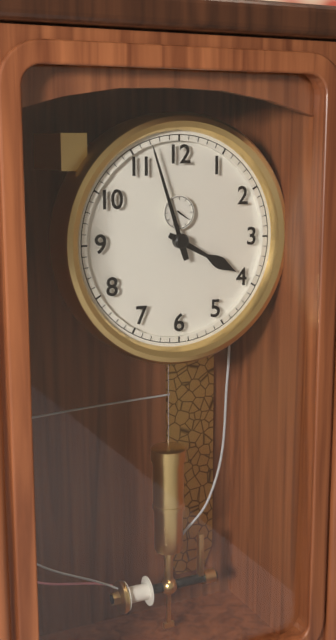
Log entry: {"hour": 3, "minute": 57}
